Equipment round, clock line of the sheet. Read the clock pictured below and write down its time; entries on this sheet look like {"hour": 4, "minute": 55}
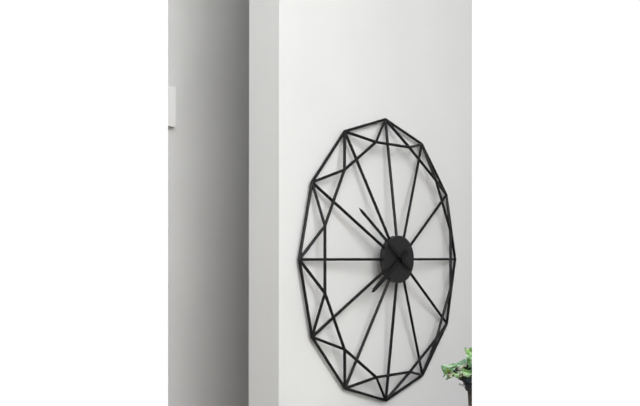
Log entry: {"hour": 7, "minute": 51}
